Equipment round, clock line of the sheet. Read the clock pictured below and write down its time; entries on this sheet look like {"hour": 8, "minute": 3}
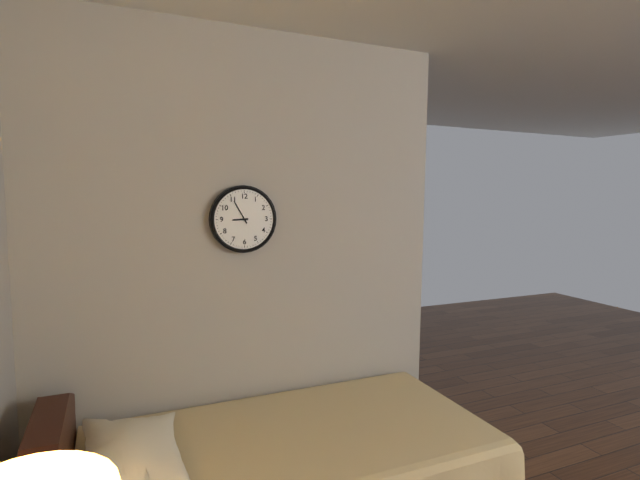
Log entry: {"hour": 8, "minute": 55}
